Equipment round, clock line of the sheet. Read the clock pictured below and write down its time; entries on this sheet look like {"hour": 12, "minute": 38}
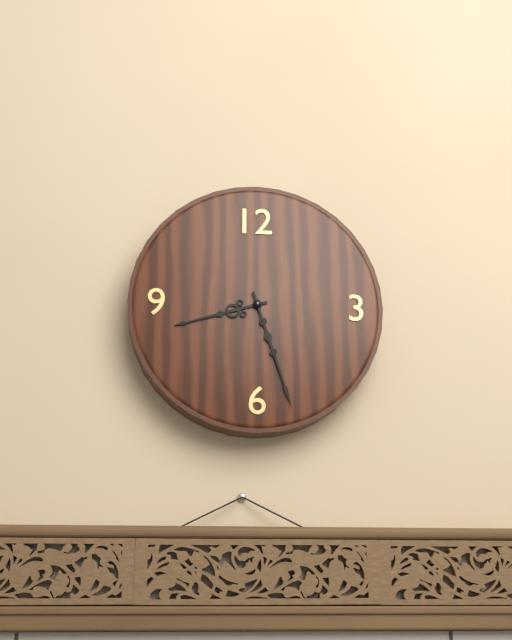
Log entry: {"hour": 8, "minute": 27}
